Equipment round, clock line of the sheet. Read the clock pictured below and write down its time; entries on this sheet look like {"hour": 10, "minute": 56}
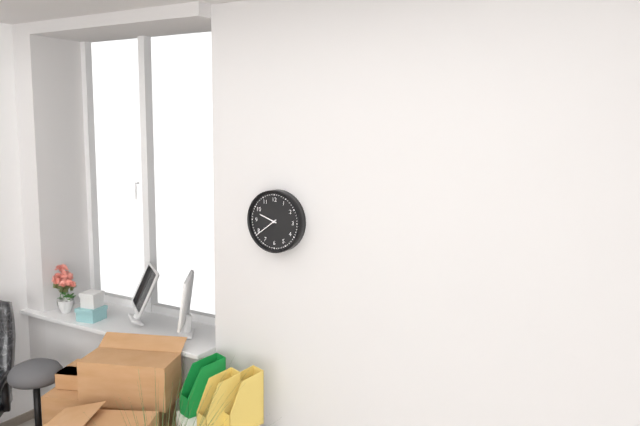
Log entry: {"hour": 9, "minute": 39}
